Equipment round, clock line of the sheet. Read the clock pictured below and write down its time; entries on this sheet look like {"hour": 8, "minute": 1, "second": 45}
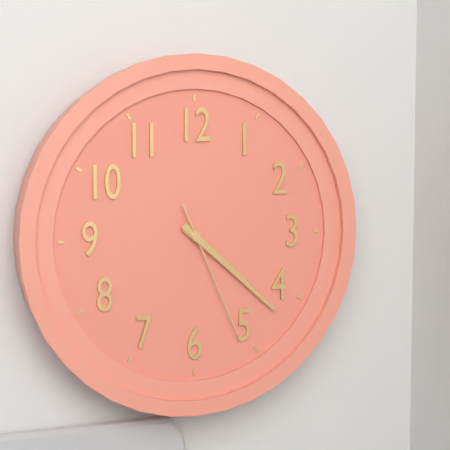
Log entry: {"hour": 4, "minute": 22, "second": 26}
